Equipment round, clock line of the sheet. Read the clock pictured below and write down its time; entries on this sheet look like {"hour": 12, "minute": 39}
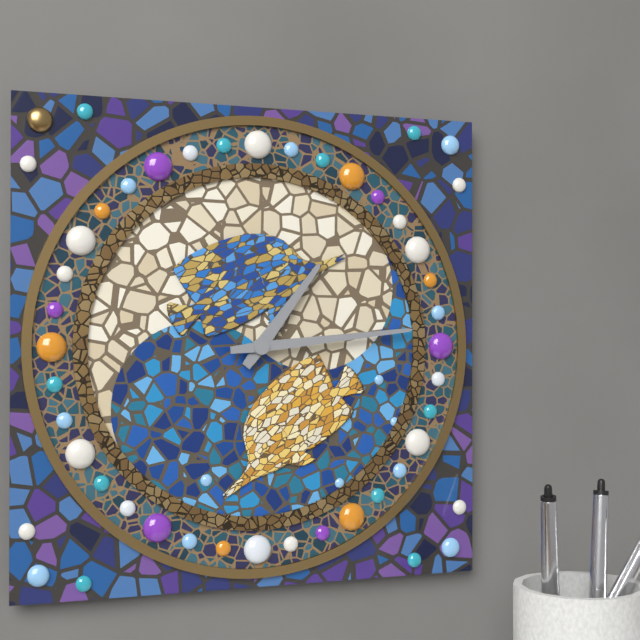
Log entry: {"hour": 1, "minute": 14}
